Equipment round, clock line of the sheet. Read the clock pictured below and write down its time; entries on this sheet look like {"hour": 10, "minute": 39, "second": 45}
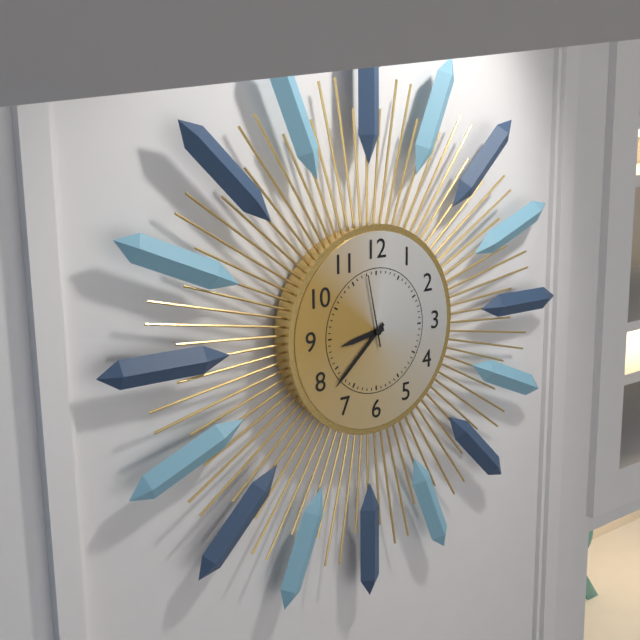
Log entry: {"hour": 8, "minute": 38, "second": 58}
